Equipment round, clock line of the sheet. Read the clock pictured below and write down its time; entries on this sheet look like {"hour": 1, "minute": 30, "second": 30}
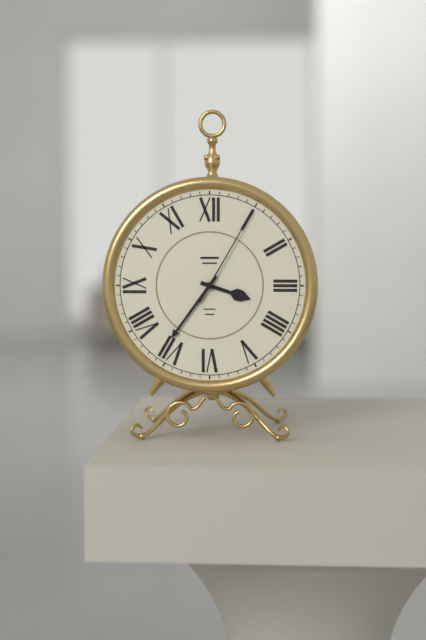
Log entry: {"hour": 3, "minute": 36, "second": 5}
